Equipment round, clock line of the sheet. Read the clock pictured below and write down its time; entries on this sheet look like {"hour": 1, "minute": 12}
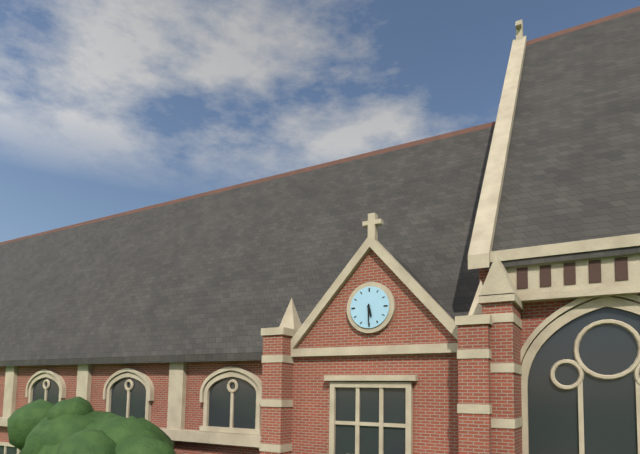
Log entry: {"hour": 5, "minute": 30}
